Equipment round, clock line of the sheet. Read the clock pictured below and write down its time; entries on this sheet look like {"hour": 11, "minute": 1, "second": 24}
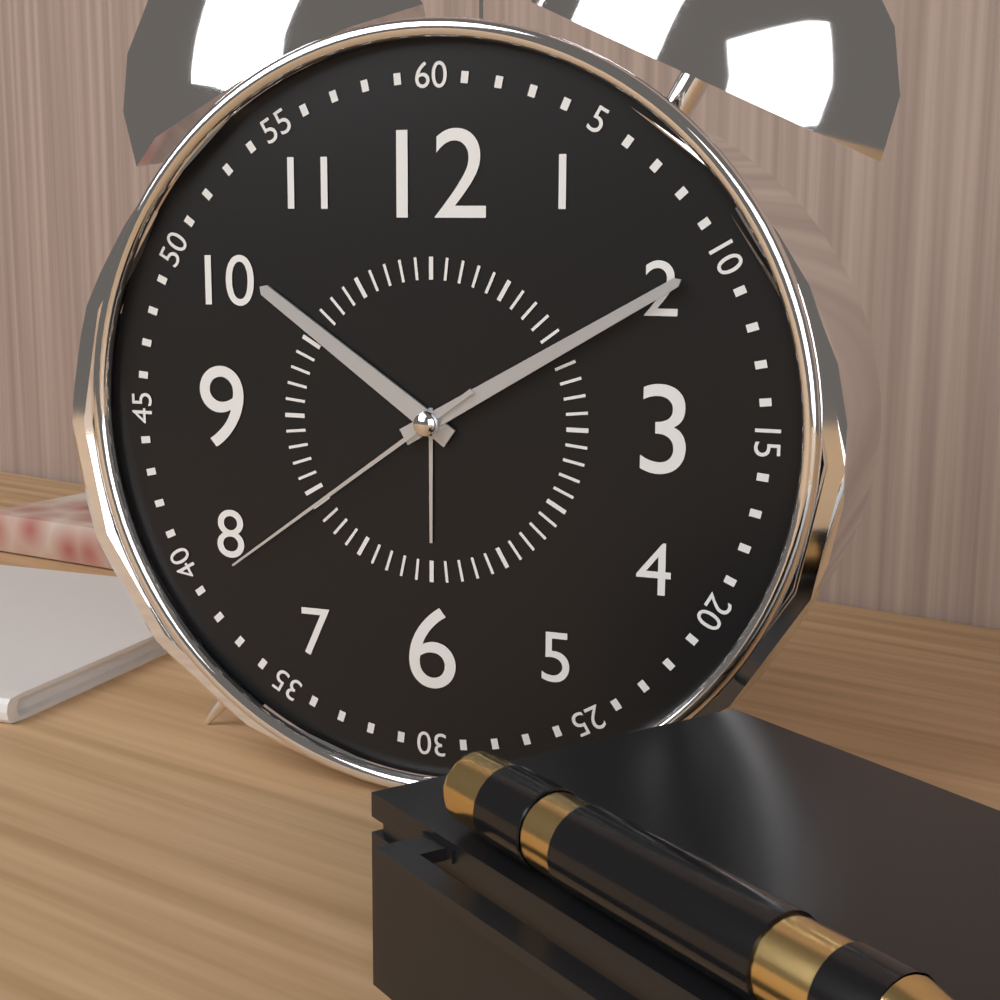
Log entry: {"hour": 10, "minute": 10, "second": 39}
